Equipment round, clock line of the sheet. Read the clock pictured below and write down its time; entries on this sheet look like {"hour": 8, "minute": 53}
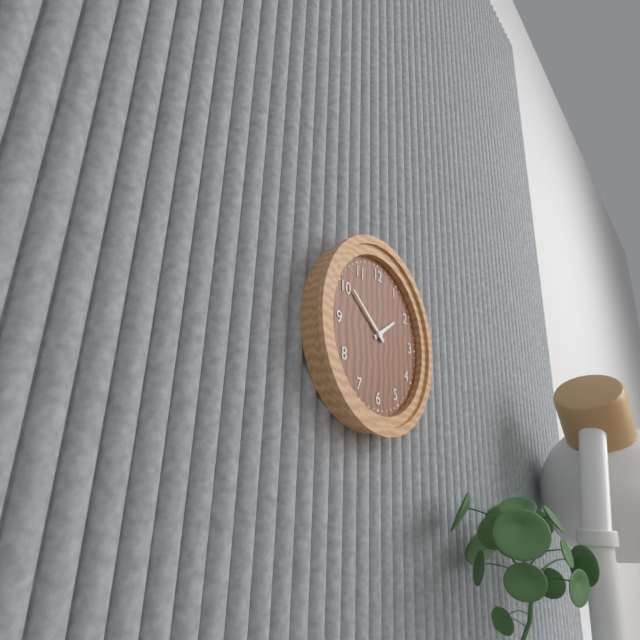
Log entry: {"hour": 1, "minute": 51}
